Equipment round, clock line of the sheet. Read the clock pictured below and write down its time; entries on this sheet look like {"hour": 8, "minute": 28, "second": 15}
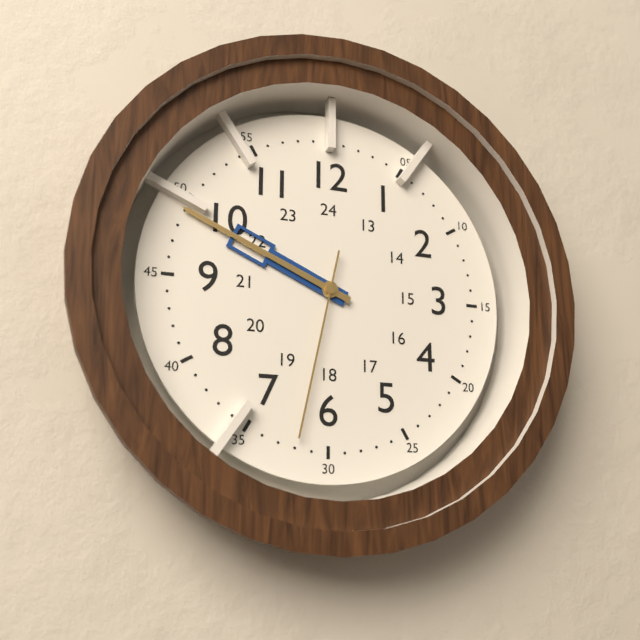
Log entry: {"hour": 9, "minute": 49, "second": 32}
